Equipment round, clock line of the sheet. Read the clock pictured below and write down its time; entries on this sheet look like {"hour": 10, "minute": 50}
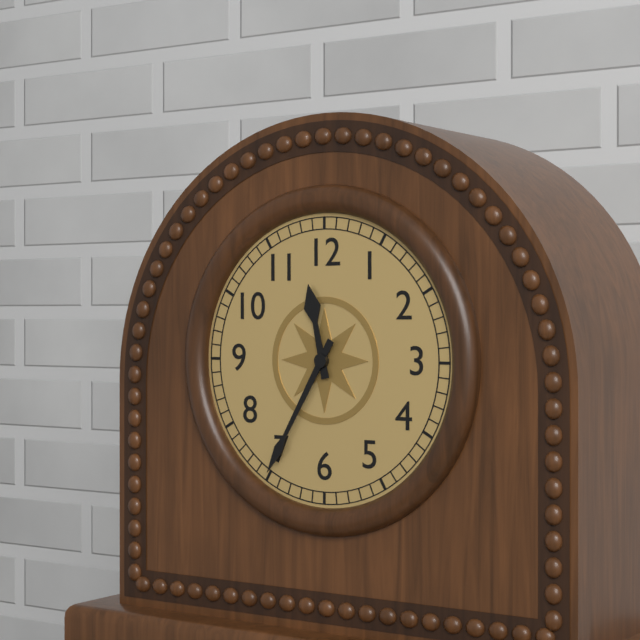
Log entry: {"hour": 11, "minute": 35}
